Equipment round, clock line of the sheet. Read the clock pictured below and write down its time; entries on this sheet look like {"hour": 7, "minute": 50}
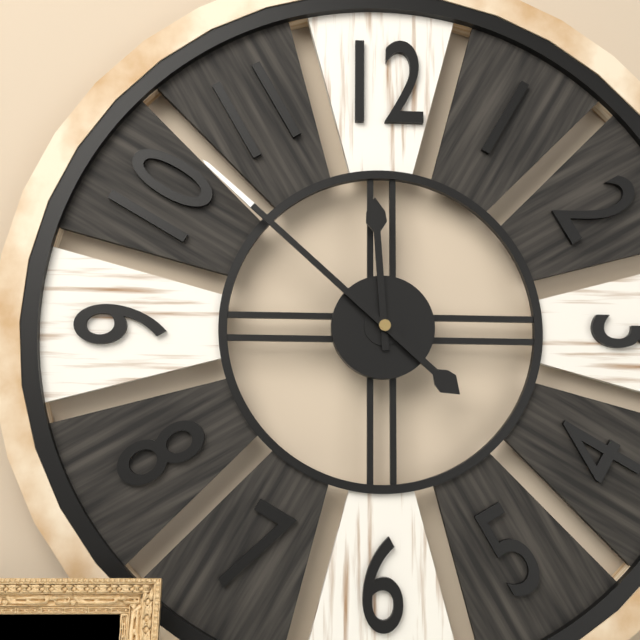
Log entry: {"hour": 11, "minute": 52}
